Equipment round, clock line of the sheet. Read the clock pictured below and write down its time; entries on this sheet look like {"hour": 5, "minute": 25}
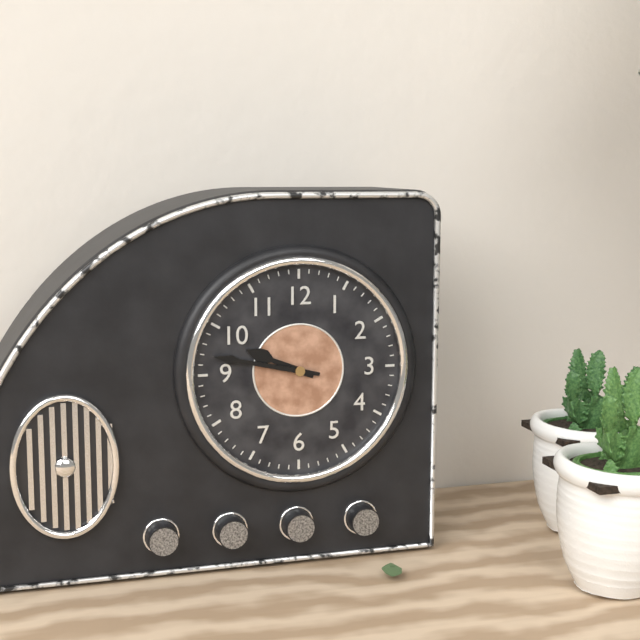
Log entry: {"hour": 9, "minute": 47}
